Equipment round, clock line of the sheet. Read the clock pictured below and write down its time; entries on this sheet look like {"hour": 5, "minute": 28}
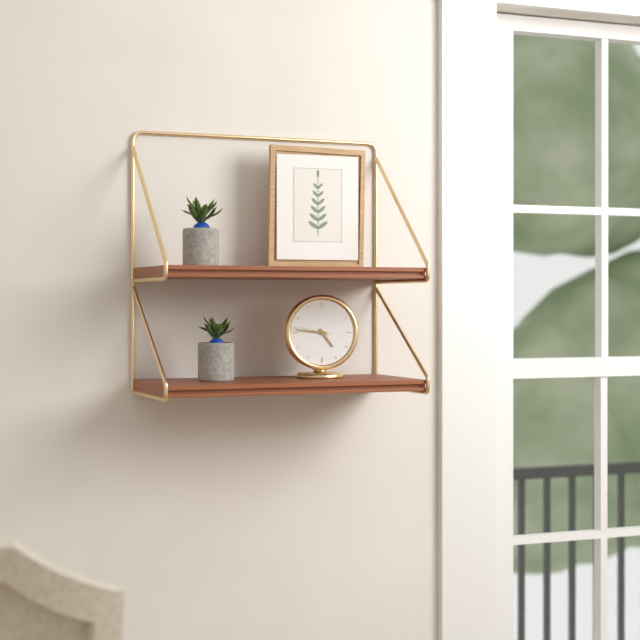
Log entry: {"hour": 4, "minute": 46}
